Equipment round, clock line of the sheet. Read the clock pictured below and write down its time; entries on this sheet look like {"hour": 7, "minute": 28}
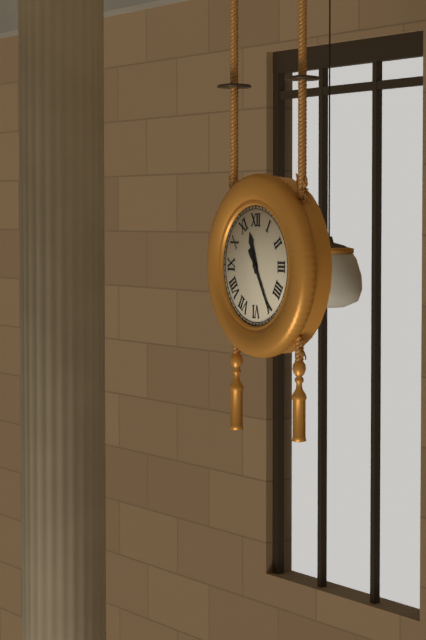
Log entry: {"hour": 11, "minute": 25}
